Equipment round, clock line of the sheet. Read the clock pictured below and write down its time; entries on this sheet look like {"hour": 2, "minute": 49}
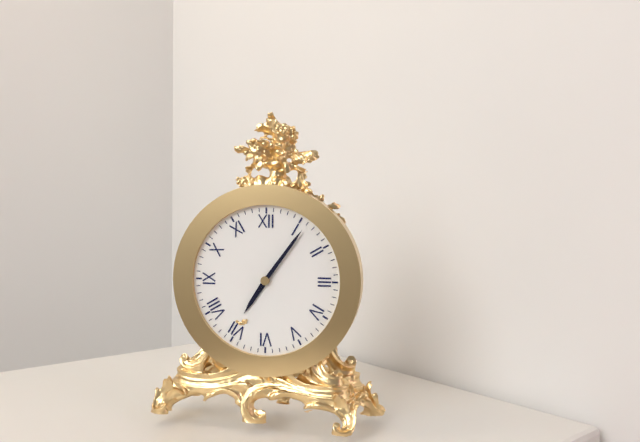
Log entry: {"hour": 7, "minute": 6}
